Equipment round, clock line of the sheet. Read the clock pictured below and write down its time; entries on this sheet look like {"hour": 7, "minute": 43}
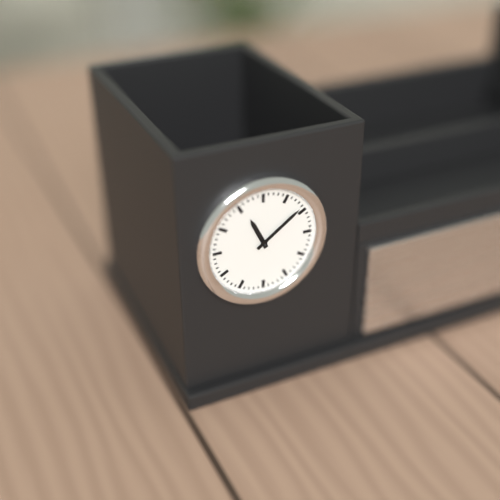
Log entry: {"hour": 11, "minute": 9}
